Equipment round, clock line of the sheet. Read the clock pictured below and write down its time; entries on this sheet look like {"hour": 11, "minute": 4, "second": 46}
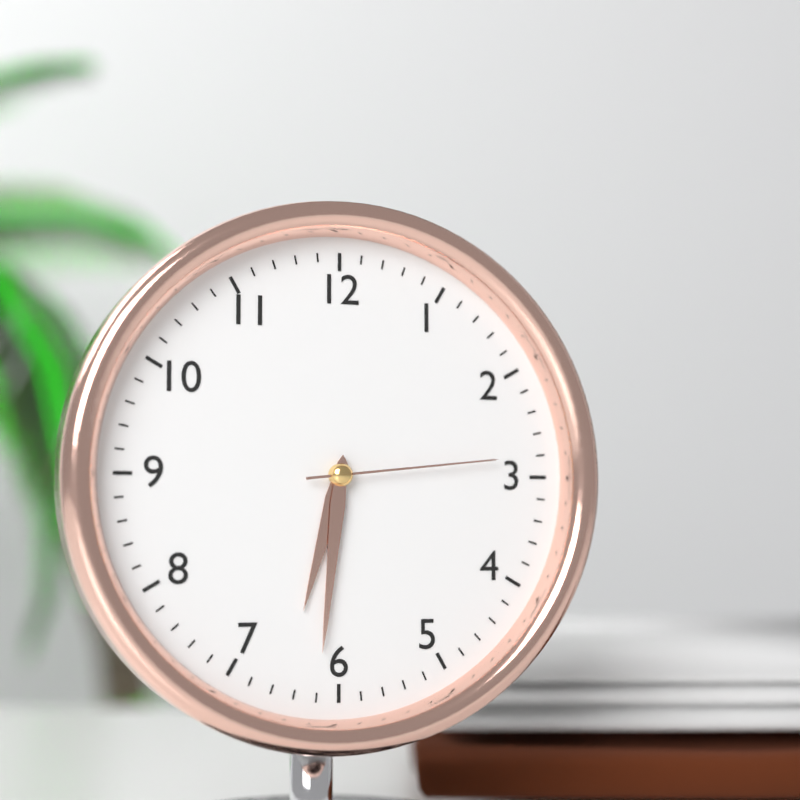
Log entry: {"hour": 6, "minute": 31, "second": 14}
